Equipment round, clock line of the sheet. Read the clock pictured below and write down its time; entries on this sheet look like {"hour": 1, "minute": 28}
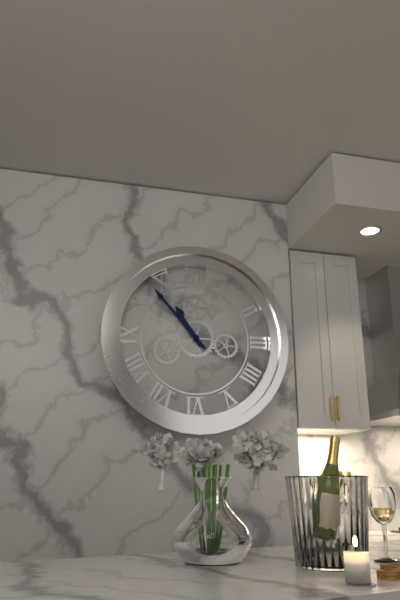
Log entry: {"hour": 10, "minute": 53}
